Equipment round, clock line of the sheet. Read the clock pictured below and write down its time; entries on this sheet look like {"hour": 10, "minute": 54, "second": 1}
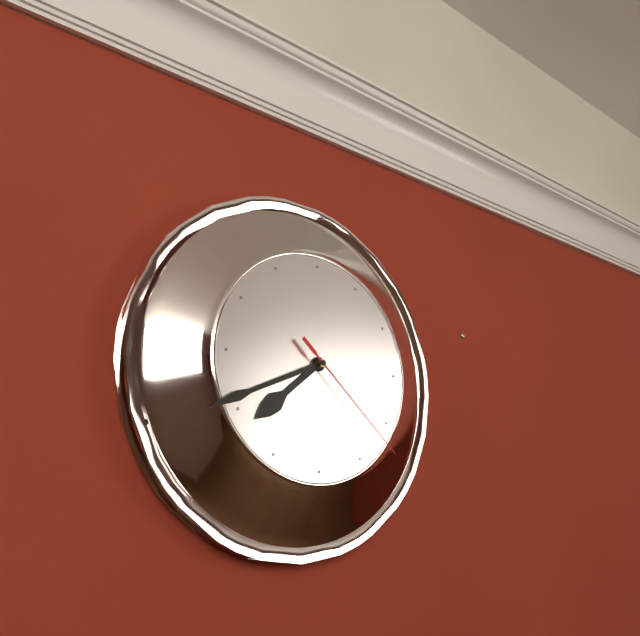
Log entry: {"hour": 7, "minute": 41, "second": 22}
